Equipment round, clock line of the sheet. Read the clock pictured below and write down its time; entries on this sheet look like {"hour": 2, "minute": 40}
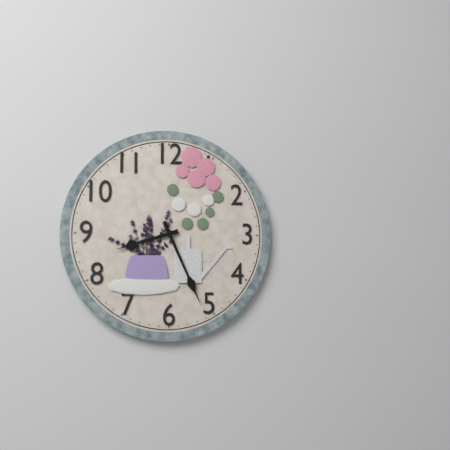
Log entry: {"hour": 8, "minute": 26}
